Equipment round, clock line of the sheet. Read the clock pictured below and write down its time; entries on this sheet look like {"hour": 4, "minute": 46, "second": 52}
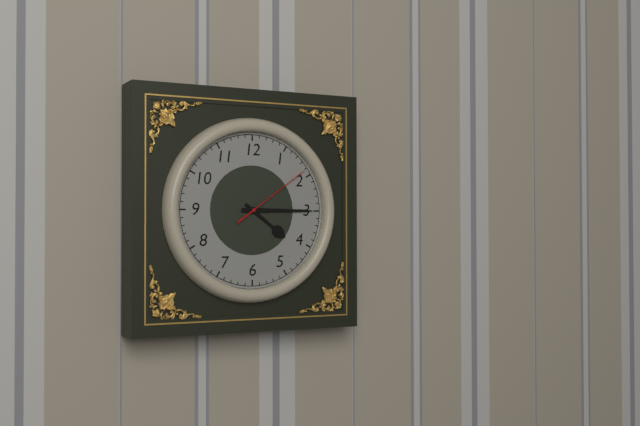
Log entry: {"hour": 4, "minute": 15, "second": 9}
